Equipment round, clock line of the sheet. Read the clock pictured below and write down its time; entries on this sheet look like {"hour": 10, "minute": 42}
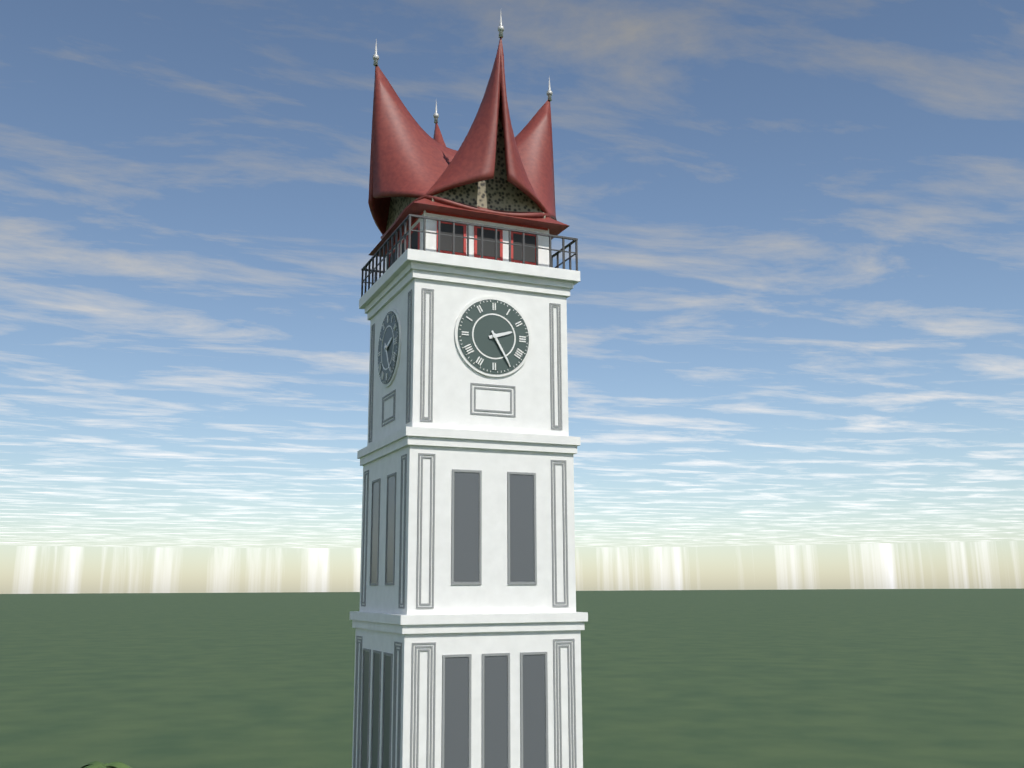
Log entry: {"hour": 2, "minute": 25}
